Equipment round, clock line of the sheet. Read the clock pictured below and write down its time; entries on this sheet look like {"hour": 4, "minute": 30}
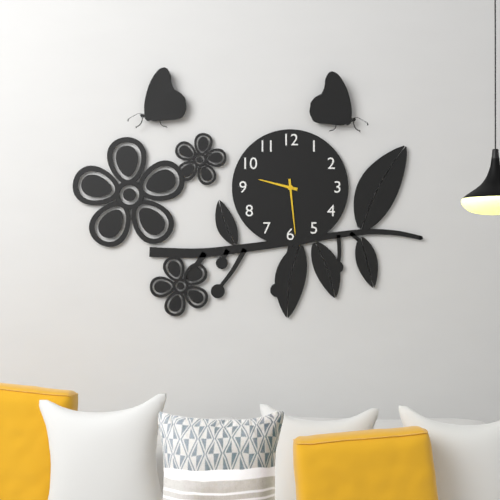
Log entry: {"hour": 9, "minute": 29}
